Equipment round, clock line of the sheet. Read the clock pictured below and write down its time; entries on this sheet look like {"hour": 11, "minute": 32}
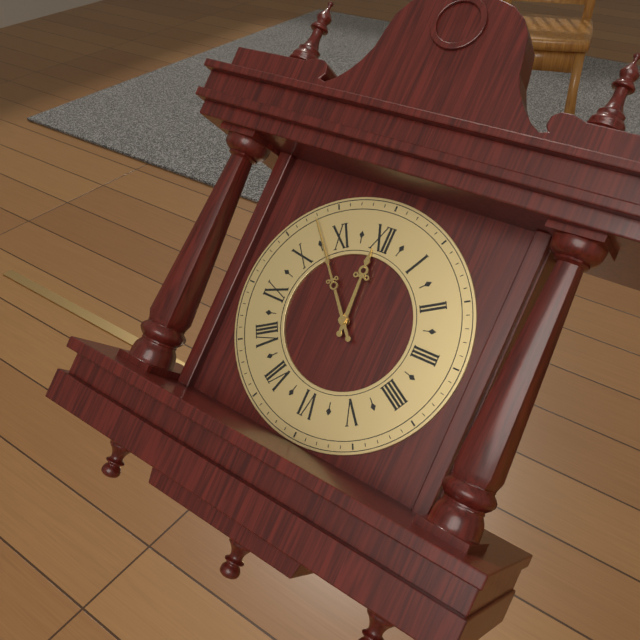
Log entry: {"hour": 11, "minute": 53}
